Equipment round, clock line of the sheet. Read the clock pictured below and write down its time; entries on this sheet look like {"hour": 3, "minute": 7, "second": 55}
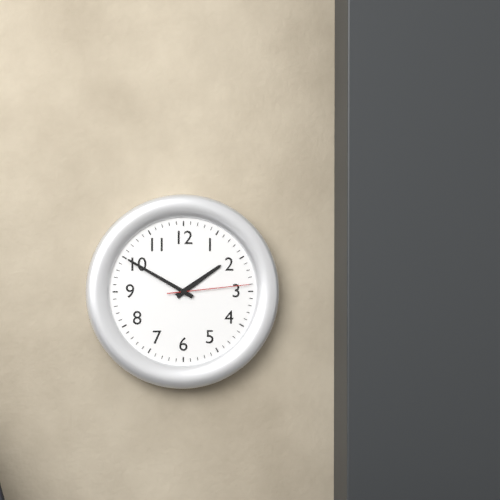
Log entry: {"hour": 1, "minute": 50, "second": 14}
